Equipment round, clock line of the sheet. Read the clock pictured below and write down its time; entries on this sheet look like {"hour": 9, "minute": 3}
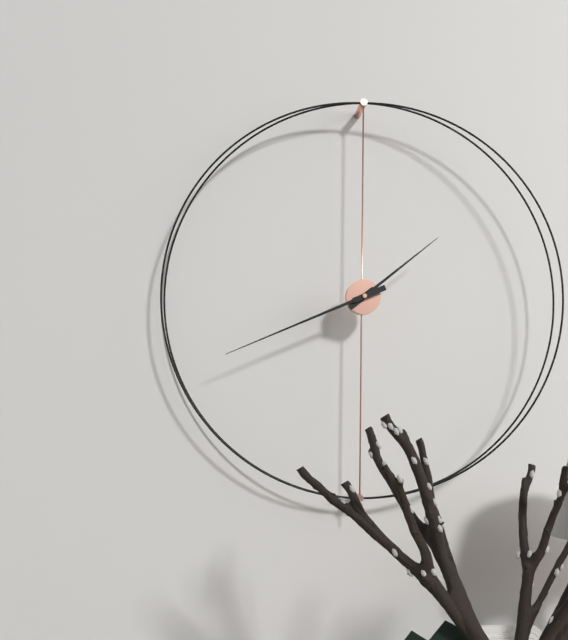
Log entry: {"hour": 1, "minute": 41}
